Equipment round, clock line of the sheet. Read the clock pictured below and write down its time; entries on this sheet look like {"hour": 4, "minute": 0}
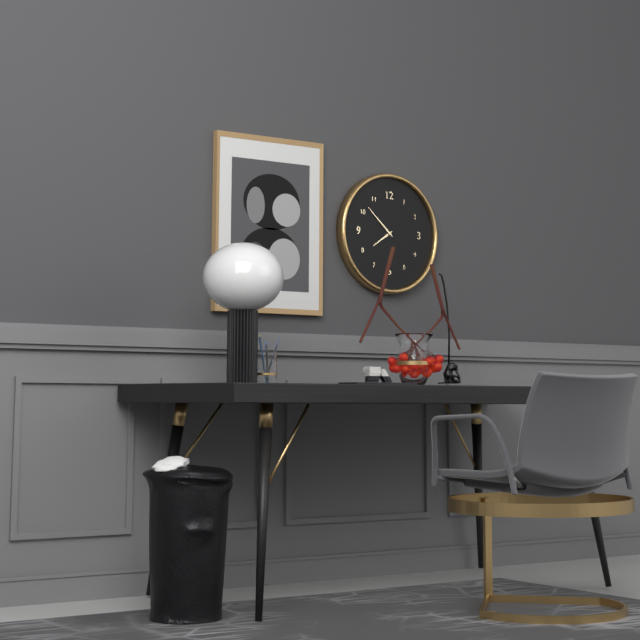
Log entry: {"hour": 7, "minute": 52}
